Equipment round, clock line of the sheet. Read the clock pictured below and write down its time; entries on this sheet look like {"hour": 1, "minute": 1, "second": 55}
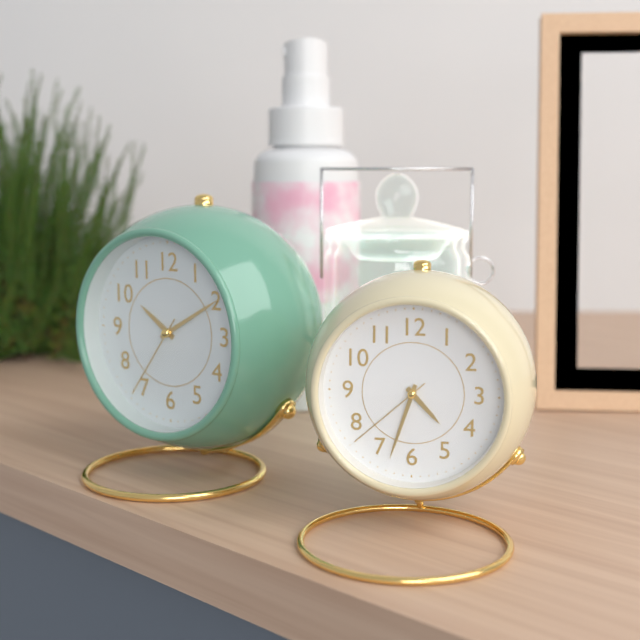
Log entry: {"hour": 4, "minute": 33, "second": 38}
